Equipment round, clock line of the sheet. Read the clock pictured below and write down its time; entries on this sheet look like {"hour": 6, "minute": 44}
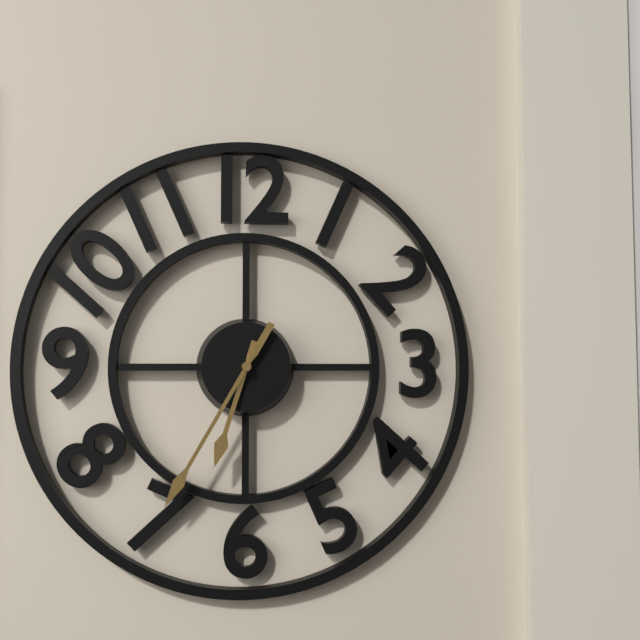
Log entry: {"hour": 6, "minute": 35}
